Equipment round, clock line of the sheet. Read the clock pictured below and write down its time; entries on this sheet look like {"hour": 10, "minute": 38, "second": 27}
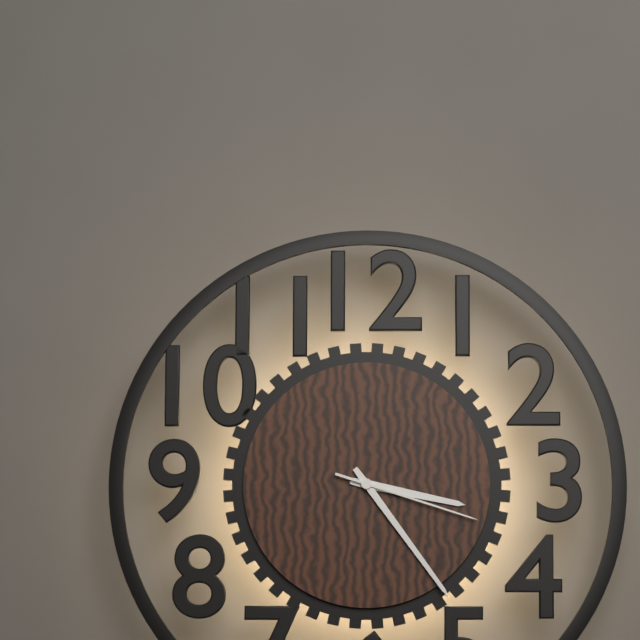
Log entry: {"hour": 3, "minute": 24, "second": 18}
